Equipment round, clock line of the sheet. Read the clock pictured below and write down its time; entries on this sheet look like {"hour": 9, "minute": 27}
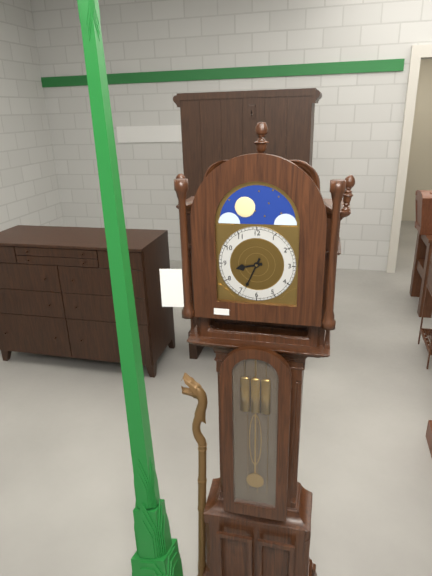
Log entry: {"hour": 8, "minute": 34}
